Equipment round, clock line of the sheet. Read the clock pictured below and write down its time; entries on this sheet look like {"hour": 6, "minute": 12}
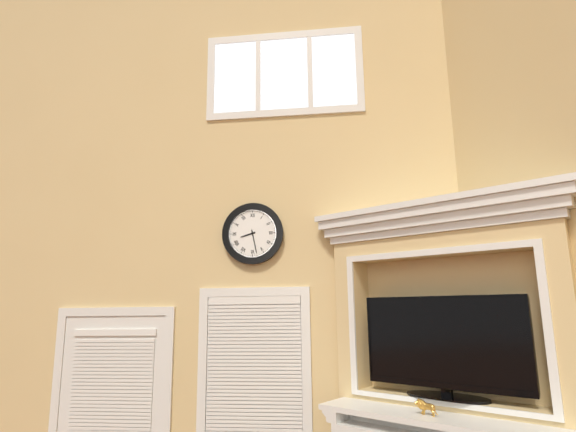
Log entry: {"hour": 8, "minute": 28}
